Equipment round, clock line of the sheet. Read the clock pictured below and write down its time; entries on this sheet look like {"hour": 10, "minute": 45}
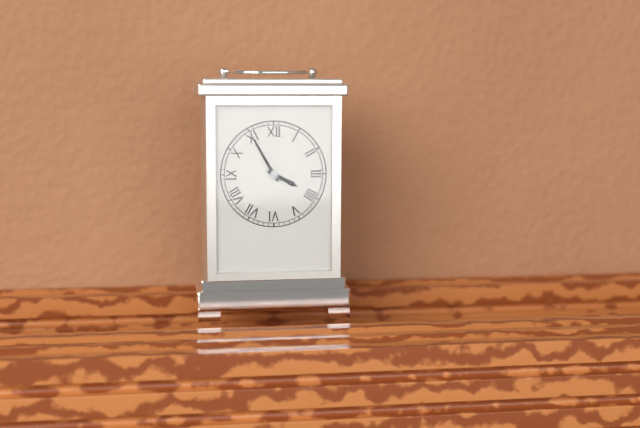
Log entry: {"hour": 3, "minute": 55}
